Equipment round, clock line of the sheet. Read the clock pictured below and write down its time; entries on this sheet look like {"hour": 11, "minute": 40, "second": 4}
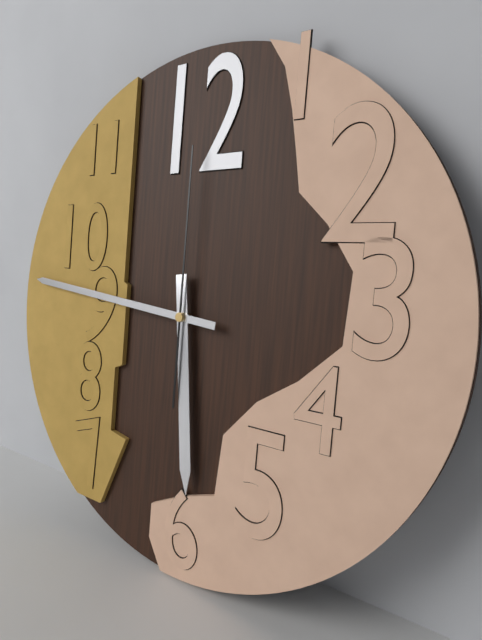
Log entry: {"hour": 5, "minute": 46, "second": 0}
